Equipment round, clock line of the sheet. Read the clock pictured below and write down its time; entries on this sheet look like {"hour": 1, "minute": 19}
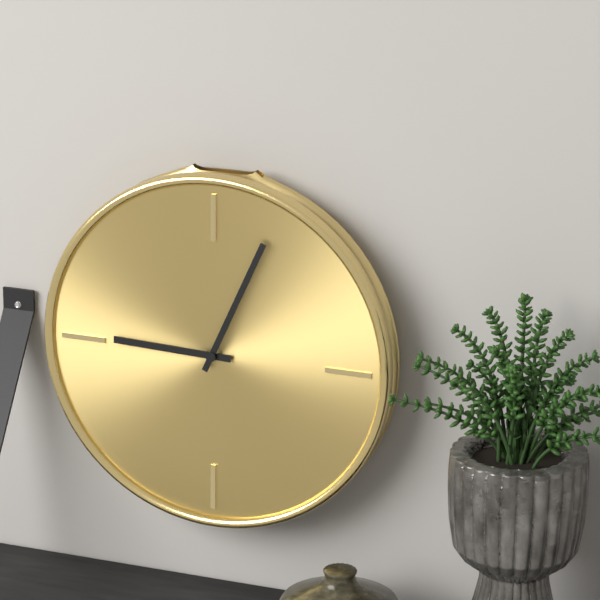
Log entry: {"hour": 9, "minute": 4}
